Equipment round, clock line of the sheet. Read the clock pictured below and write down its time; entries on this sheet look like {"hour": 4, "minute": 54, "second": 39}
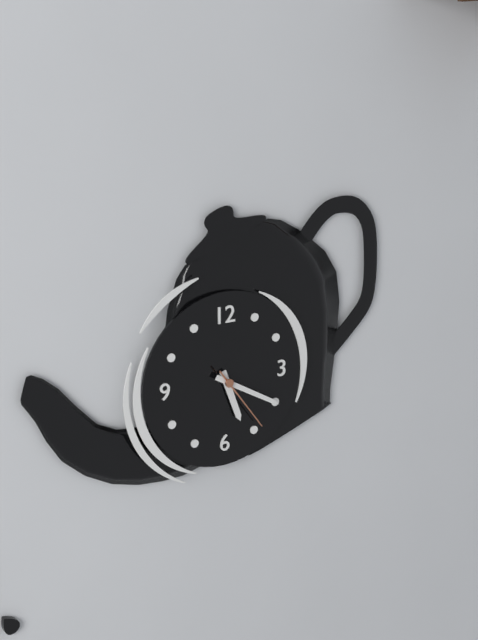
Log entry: {"hour": 5, "minute": 20, "second": 24}
